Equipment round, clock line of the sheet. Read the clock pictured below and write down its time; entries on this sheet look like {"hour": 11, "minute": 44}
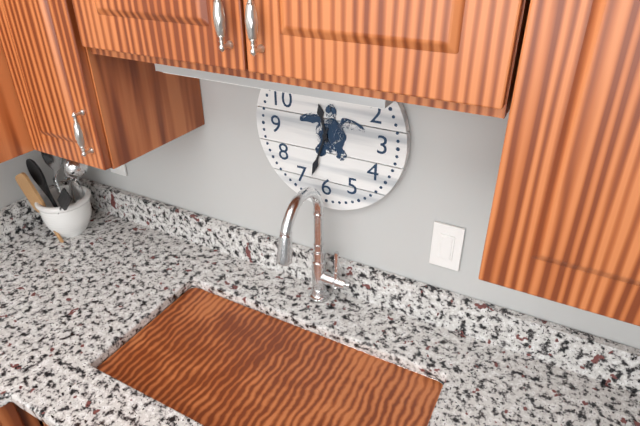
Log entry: {"hour": 11, "minute": 33}
